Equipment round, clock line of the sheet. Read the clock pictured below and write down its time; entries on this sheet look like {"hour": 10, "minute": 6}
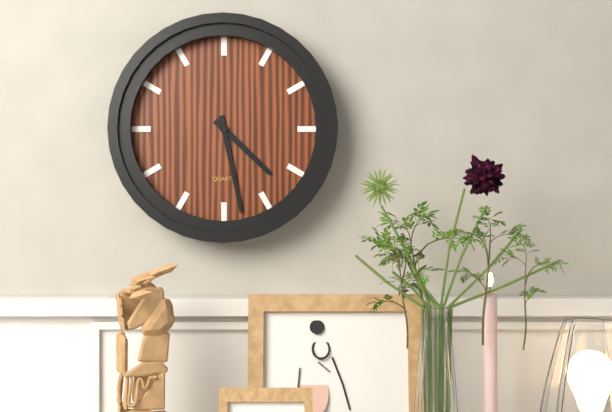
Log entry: {"hour": 4, "minute": 28}
